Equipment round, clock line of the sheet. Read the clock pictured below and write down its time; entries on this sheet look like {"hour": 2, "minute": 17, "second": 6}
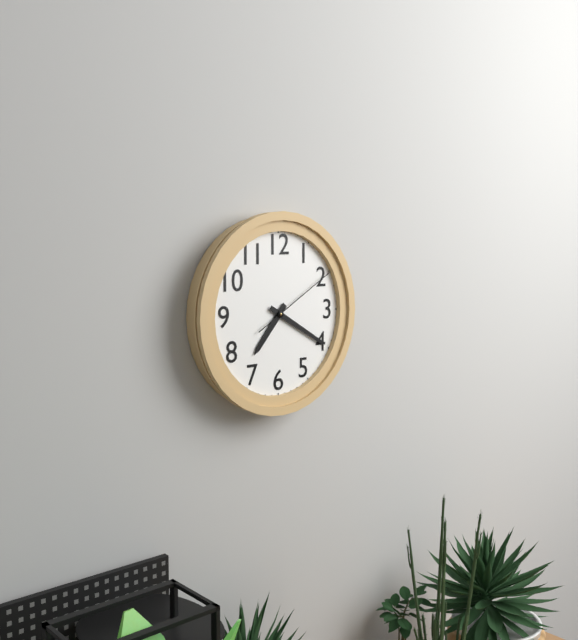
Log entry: {"hour": 7, "minute": 20, "second": 10}
